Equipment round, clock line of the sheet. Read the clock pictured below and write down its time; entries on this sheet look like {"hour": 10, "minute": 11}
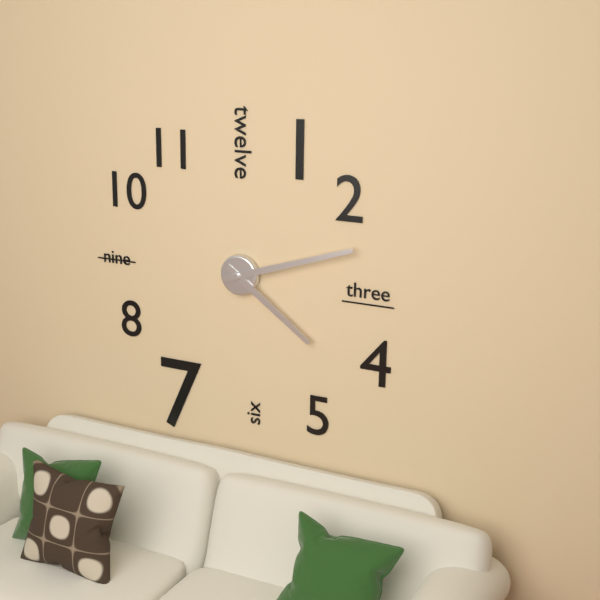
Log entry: {"hour": 4, "minute": 12}
